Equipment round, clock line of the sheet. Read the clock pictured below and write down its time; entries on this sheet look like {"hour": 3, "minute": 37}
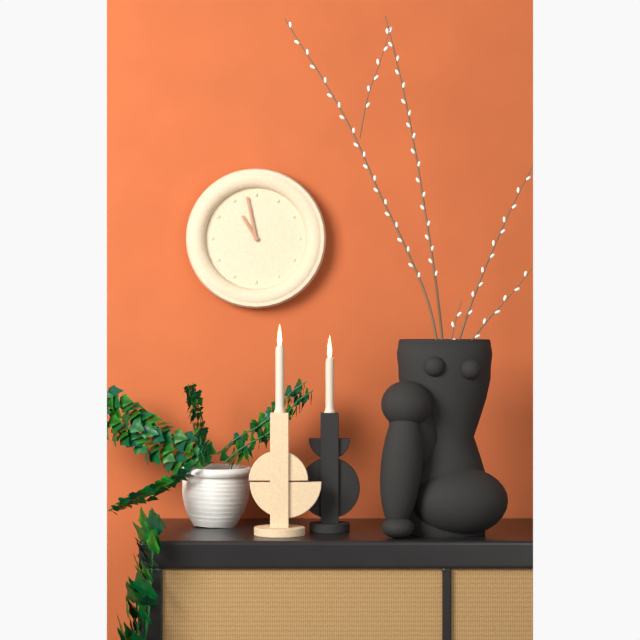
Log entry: {"hour": 10, "minute": 58}
